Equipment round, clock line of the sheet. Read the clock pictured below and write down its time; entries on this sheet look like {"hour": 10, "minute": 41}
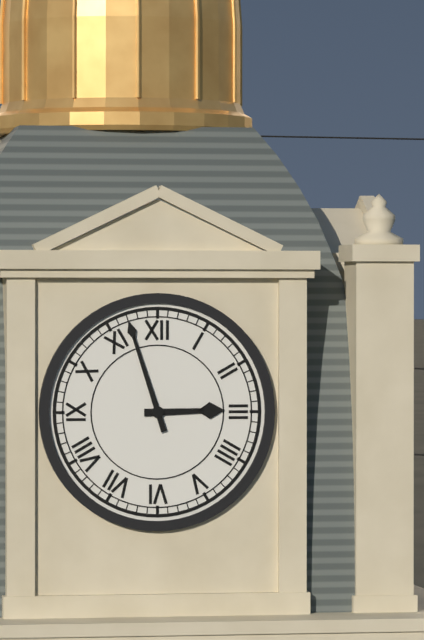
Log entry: {"hour": 2, "minute": 57}
